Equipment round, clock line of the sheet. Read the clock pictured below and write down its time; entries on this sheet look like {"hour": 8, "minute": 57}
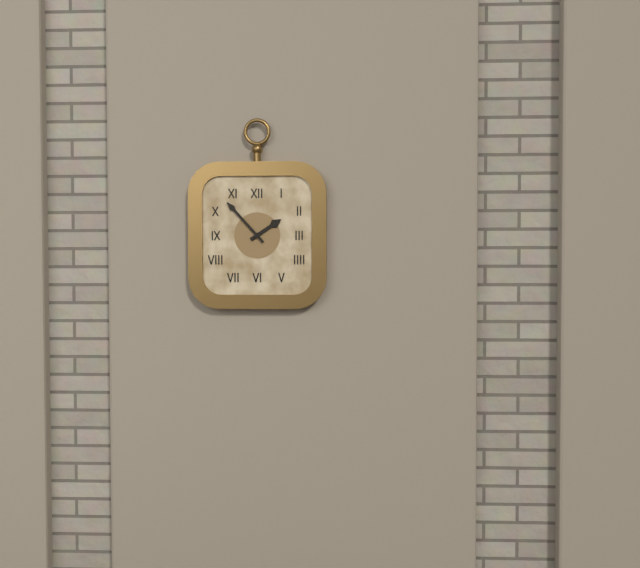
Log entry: {"hour": 1, "minute": 53}
